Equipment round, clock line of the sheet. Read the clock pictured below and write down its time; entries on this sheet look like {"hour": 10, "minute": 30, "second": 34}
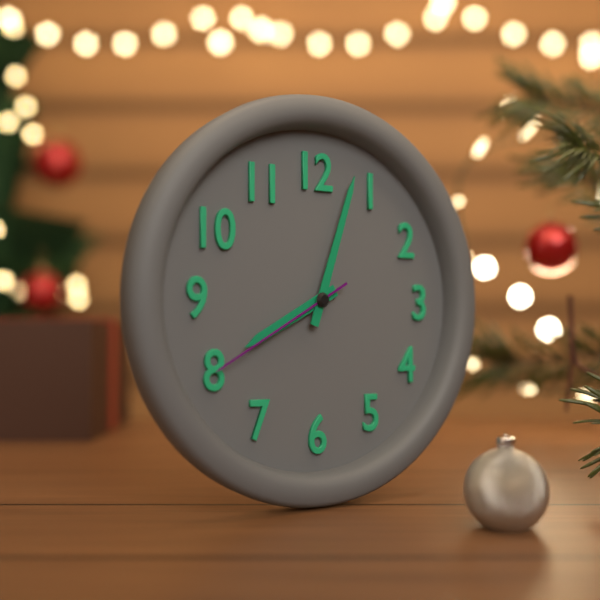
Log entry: {"hour": 8, "minute": 3, "second": 40}
